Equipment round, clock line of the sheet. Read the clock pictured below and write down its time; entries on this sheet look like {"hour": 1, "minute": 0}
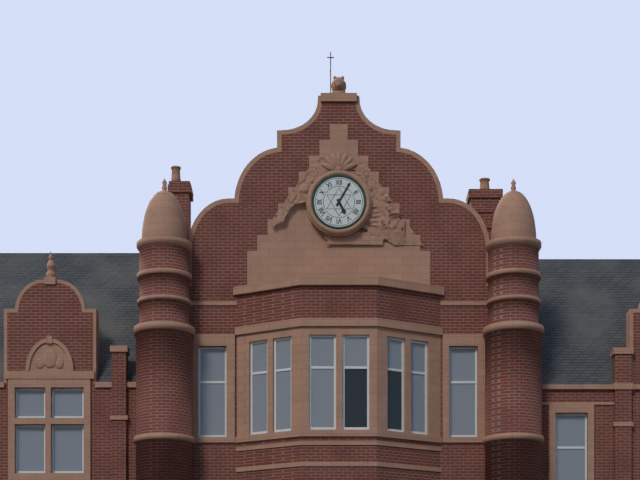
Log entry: {"hour": 5, "minute": 5}
